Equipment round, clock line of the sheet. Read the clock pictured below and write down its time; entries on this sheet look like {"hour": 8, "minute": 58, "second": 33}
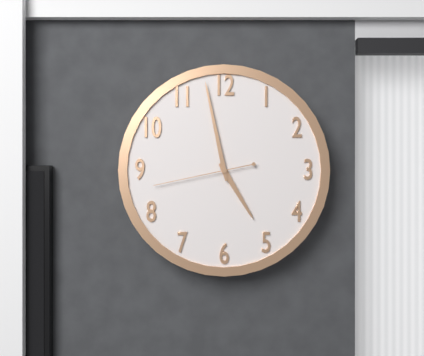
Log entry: {"hour": 4, "minute": 58, "second": 43}
